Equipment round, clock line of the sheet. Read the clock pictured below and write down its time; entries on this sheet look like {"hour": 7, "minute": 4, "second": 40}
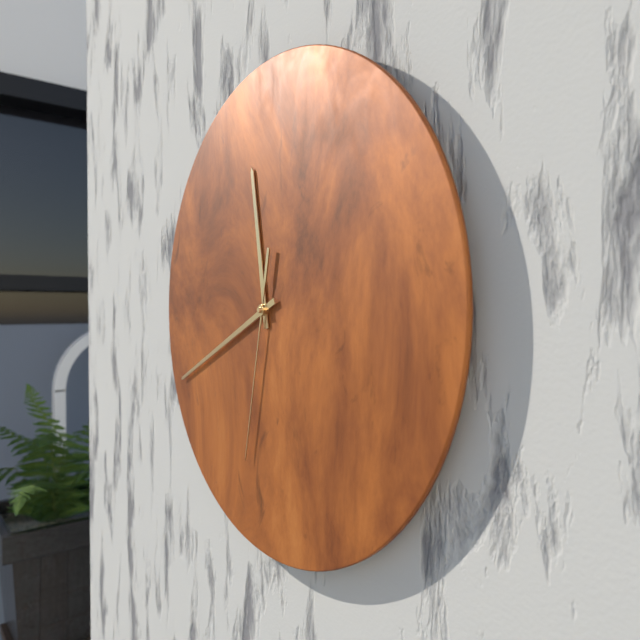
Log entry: {"hour": 11, "minute": 41, "second": 32}
